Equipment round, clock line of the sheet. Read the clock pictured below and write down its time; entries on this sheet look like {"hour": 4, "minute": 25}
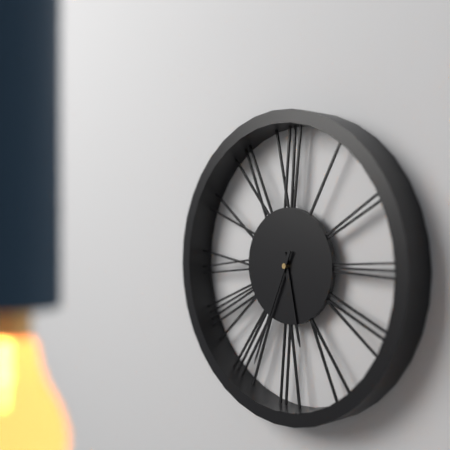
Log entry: {"hour": 5, "minute": 34}
